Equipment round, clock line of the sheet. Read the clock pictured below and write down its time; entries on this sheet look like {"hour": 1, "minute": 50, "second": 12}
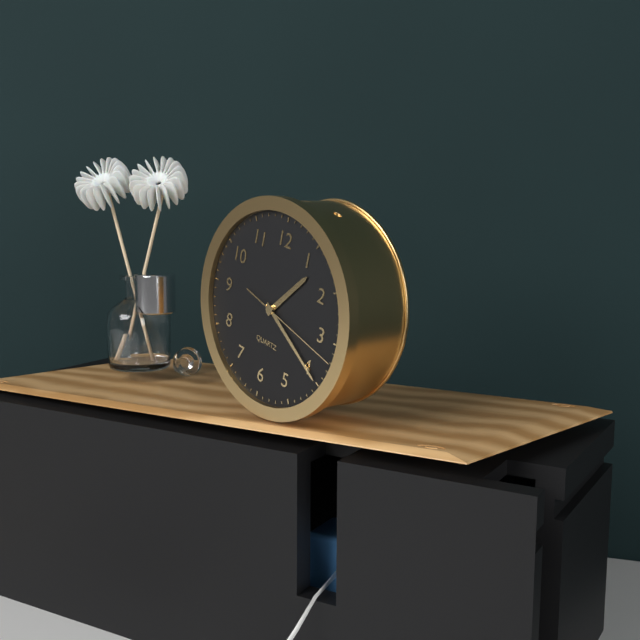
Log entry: {"hour": 1, "minute": 20, "second": 17}
